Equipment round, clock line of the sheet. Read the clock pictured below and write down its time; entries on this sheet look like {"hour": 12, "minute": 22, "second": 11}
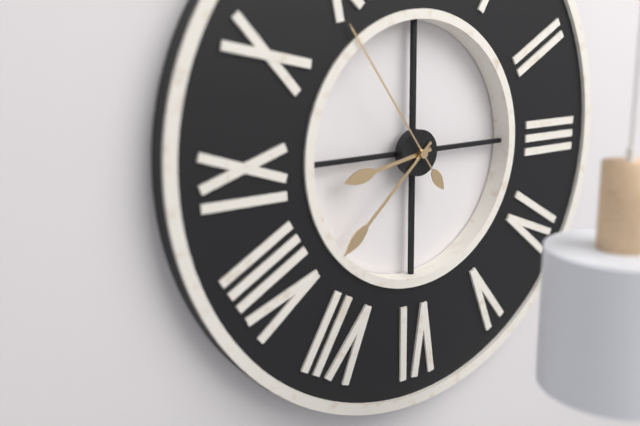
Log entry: {"hour": 8, "minute": 38, "second": 54}
